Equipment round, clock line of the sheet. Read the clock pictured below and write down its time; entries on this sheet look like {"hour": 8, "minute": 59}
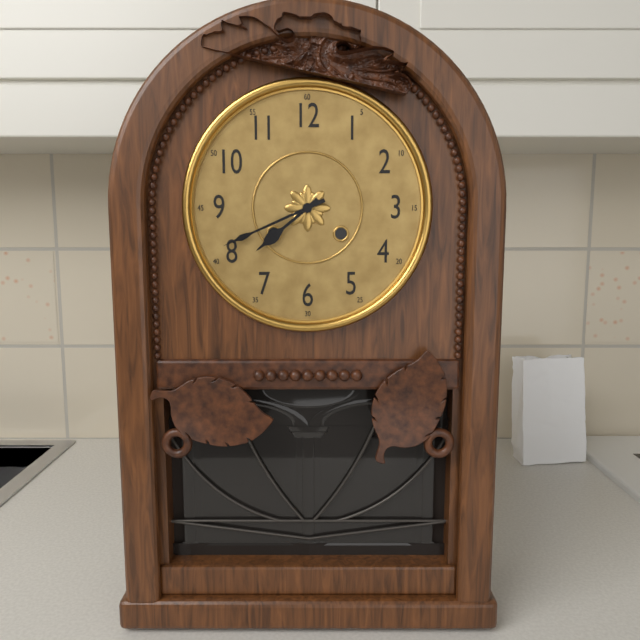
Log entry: {"hour": 7, "minute": 41}
